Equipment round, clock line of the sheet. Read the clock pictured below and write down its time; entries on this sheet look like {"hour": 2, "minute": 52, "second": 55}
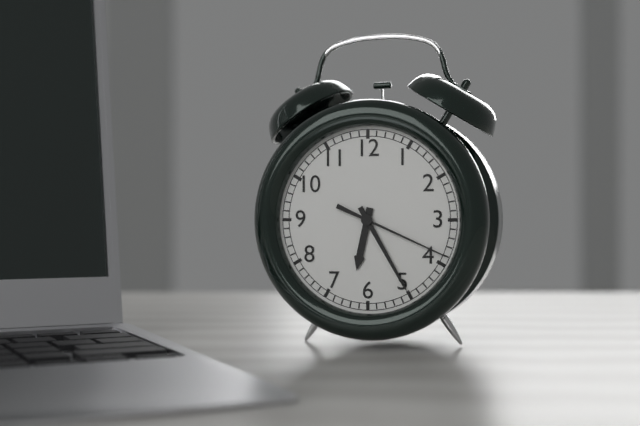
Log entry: {"hour": 6, "minute": 25, "second": 19}
